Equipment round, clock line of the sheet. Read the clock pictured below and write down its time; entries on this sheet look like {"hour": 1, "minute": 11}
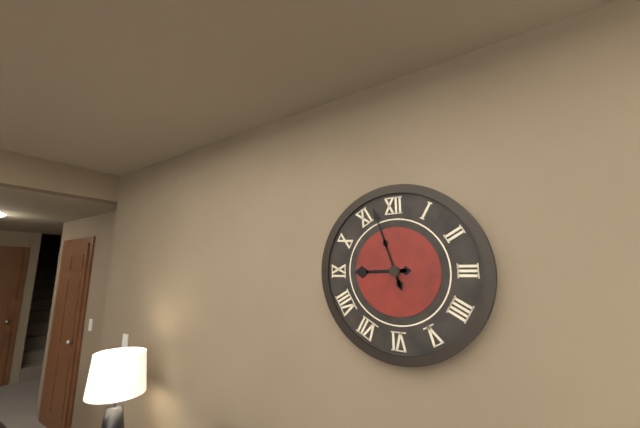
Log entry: {"hour": 8, "minute": 57}
